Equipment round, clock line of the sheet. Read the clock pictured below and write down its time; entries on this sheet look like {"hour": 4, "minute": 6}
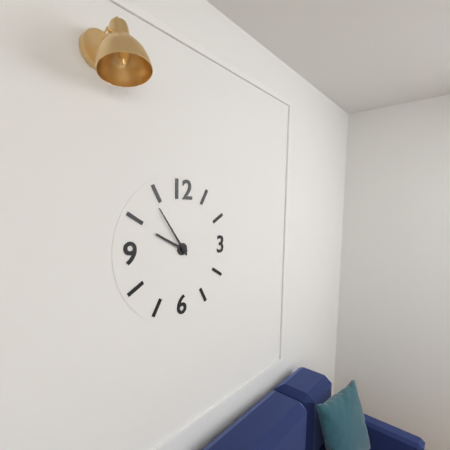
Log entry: {"hour": 9, "minute": 54}
